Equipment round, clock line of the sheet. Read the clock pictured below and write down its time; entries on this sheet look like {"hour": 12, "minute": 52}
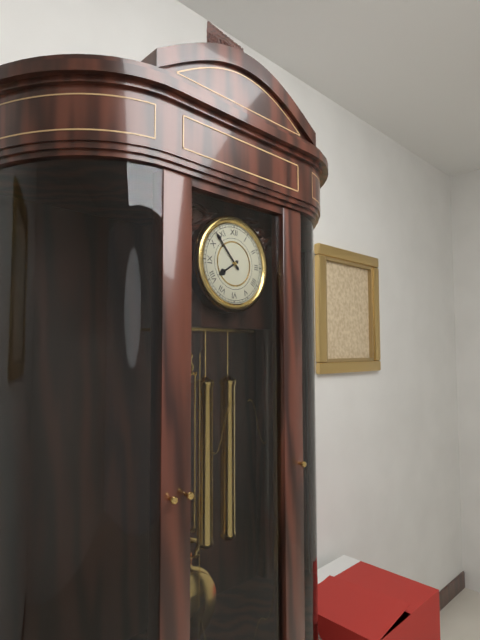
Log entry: {"hour": 7, "minute": 53}
